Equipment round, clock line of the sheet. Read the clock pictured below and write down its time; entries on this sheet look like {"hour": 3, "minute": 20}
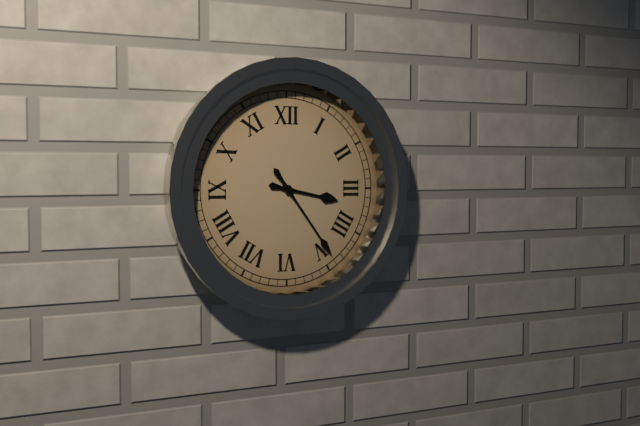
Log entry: {"hour": 3, "minute": 24}
